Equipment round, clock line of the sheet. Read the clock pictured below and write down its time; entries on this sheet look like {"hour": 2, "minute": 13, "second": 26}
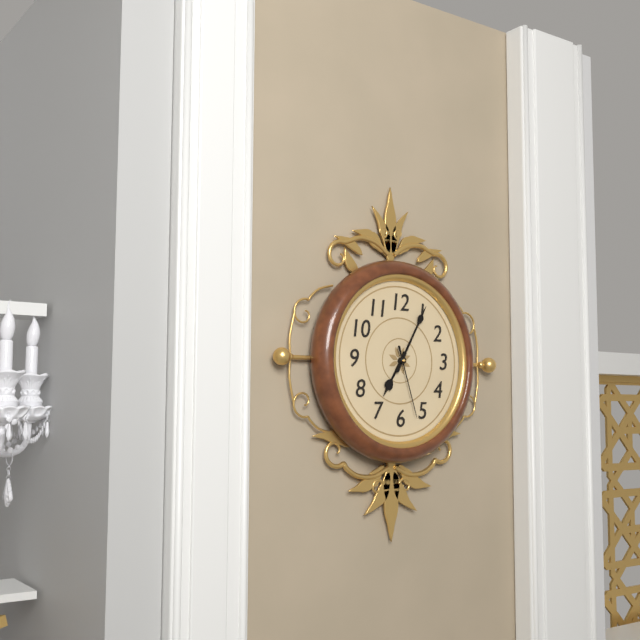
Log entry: {"hour": 7, "minute": 5, "second": 27}
